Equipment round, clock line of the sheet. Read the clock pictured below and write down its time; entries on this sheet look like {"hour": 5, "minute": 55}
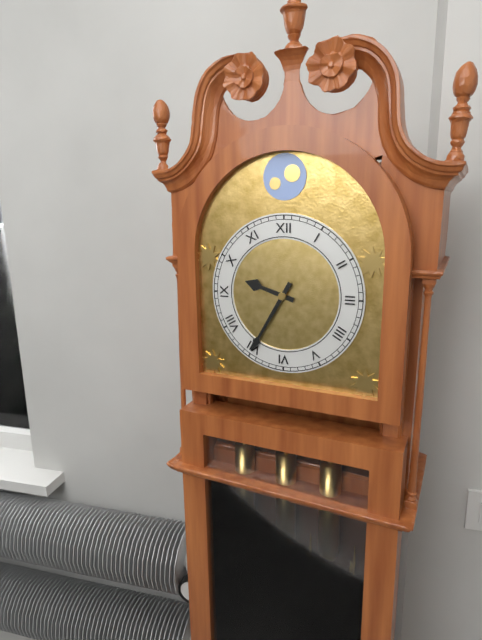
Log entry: {"hour": 9, "minute": 35}
